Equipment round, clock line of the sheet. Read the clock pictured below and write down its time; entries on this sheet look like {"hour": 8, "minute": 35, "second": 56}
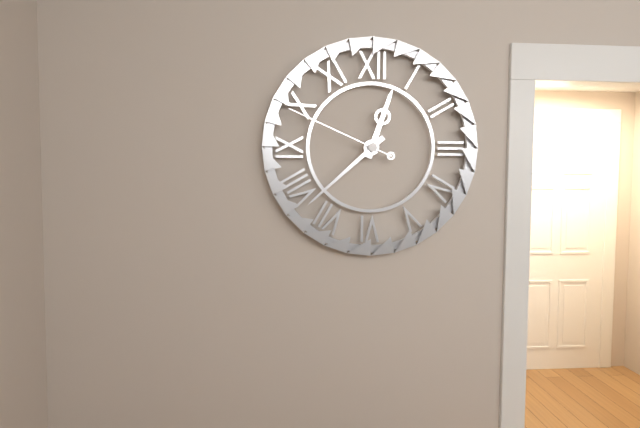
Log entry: {"hour": 12, "minute": 38, "second": 49}
